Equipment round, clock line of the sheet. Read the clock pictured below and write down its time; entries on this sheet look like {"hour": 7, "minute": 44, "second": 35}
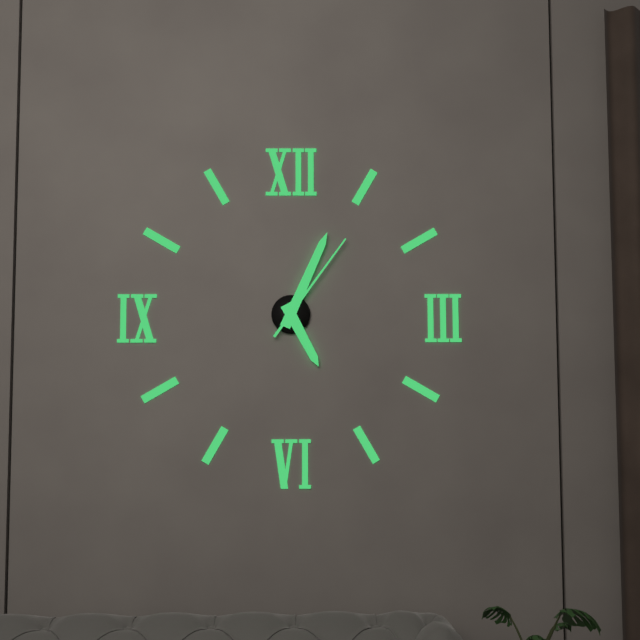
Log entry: {"hour": 5, "minute": 4, "second": 6}
